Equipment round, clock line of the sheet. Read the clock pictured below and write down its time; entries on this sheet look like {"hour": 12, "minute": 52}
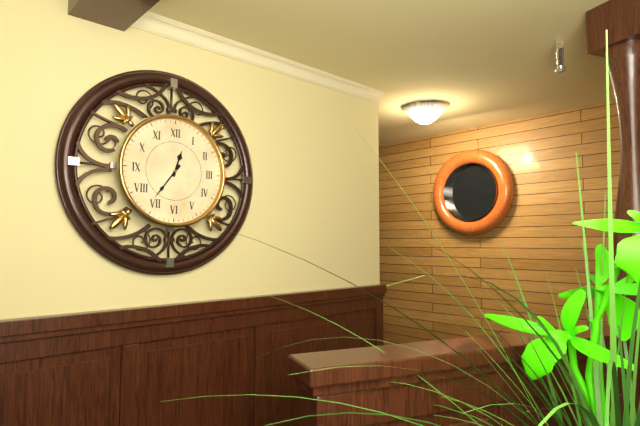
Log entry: {"hour": 12, "minute": 36}
